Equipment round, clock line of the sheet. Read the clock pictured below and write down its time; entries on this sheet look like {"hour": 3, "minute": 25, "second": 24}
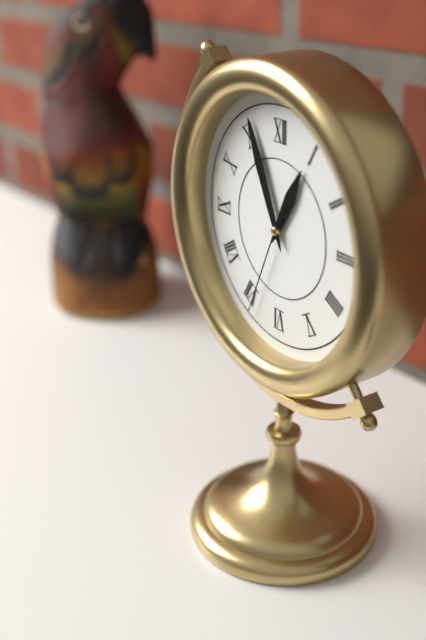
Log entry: {"hour": 12, "minute": 56, "second": 34}
